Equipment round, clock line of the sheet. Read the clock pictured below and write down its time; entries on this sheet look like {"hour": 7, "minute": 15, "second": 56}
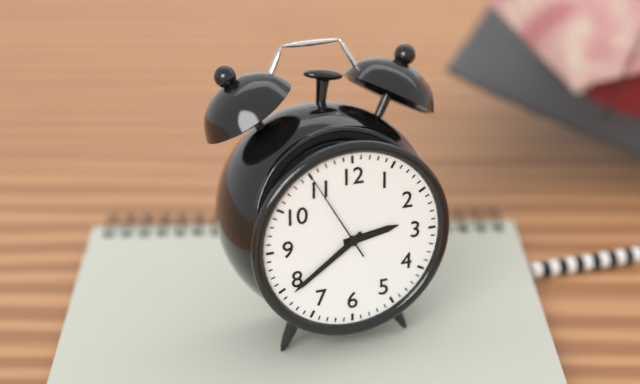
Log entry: {"hour": 2, "minute": 39, "second": 55}
